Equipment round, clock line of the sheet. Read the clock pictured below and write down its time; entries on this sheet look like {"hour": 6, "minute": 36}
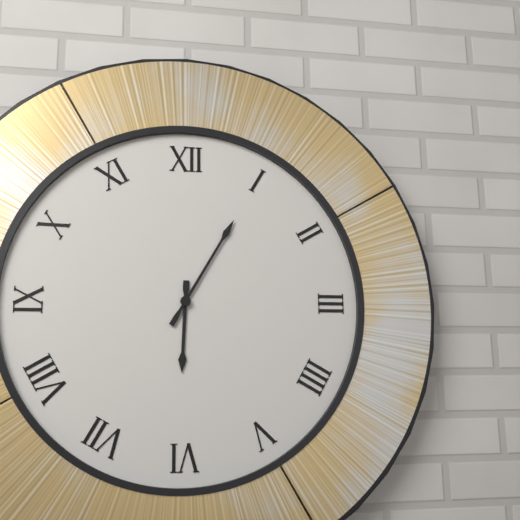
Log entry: {"hour": 6, "minute": 5}
